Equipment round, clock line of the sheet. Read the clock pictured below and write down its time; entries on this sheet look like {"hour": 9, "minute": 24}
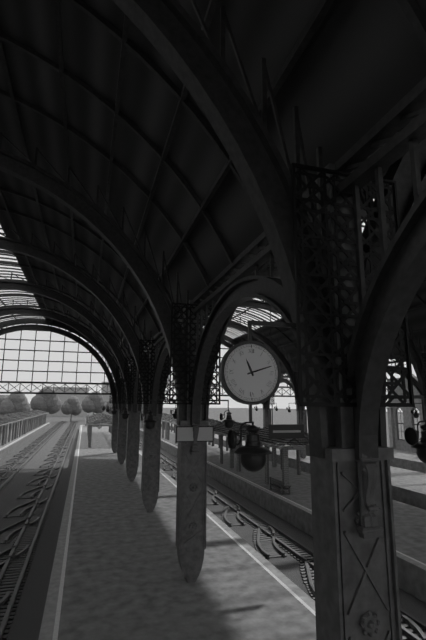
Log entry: {"hour": 11, "minute": 12}
